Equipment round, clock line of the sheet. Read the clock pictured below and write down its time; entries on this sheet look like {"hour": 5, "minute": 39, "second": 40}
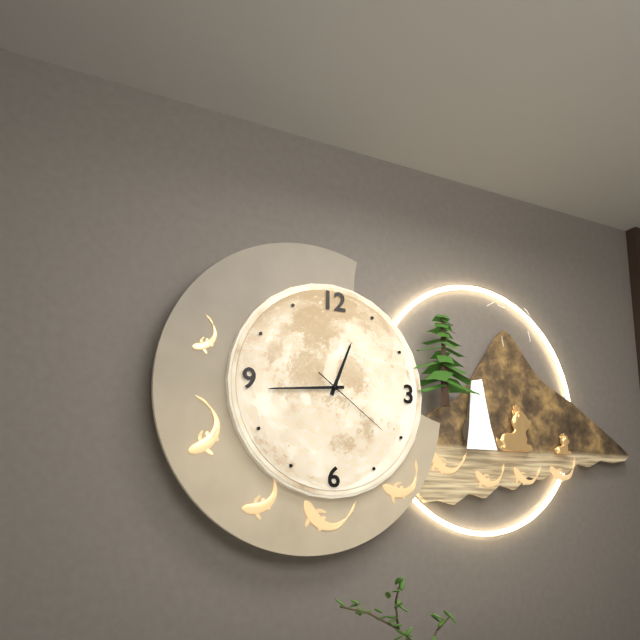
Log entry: {"hour": 12, "minute": 44, "second": 21}
